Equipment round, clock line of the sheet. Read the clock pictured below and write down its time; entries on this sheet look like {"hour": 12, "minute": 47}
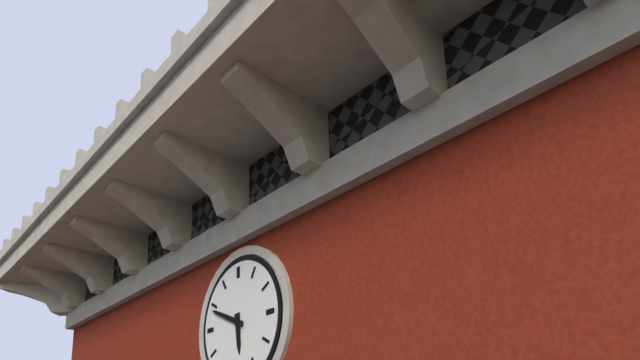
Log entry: {"hour": 5, "minute": 49}
